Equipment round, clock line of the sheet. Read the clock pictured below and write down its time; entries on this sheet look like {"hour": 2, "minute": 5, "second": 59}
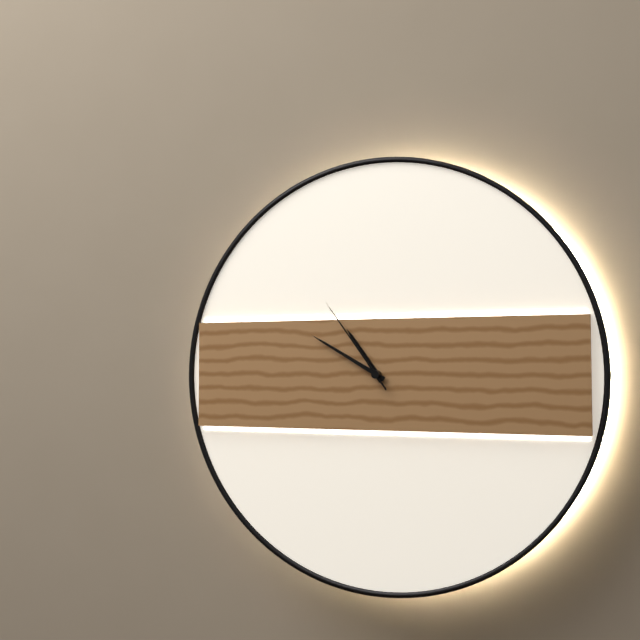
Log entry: {"hour": 10, "minute": 50, "second": 54}
